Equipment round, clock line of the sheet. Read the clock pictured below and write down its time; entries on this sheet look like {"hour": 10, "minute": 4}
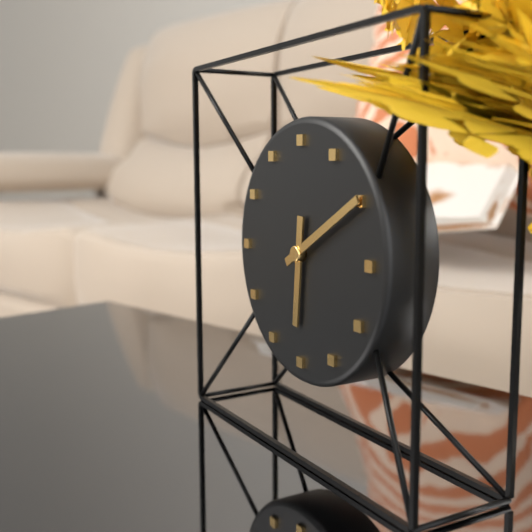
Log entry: {"hour": 6, "minute": 10}
